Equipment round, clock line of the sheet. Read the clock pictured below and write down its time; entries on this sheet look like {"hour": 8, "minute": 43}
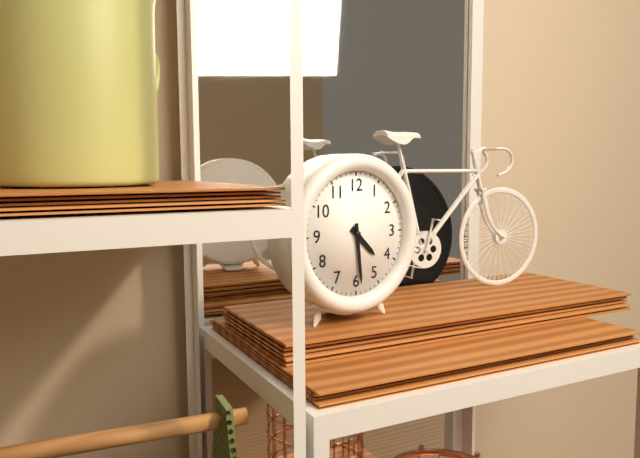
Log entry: {"hour": 4, "minute": 29}
